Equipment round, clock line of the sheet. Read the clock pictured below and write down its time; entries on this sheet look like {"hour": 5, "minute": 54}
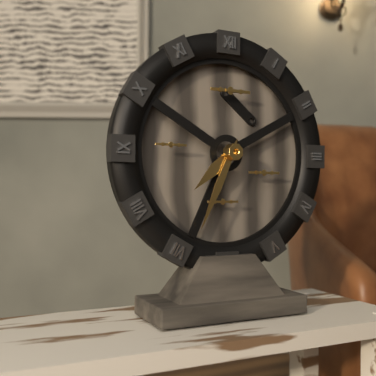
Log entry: {"hour": 7, "minute": 34}
